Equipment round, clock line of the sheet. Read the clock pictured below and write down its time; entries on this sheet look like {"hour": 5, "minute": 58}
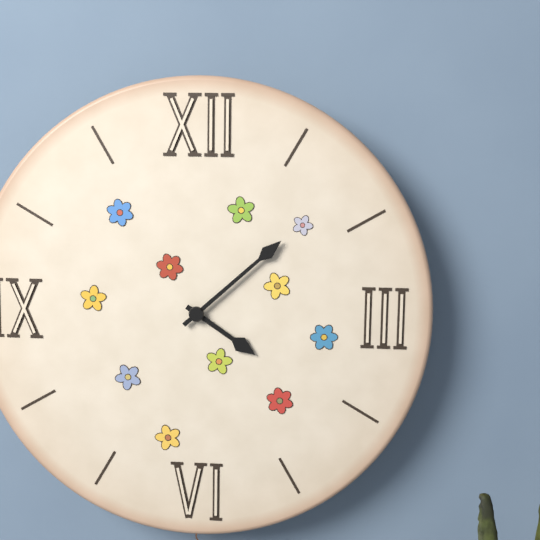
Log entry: {"hour": 4, "minute": 8}
